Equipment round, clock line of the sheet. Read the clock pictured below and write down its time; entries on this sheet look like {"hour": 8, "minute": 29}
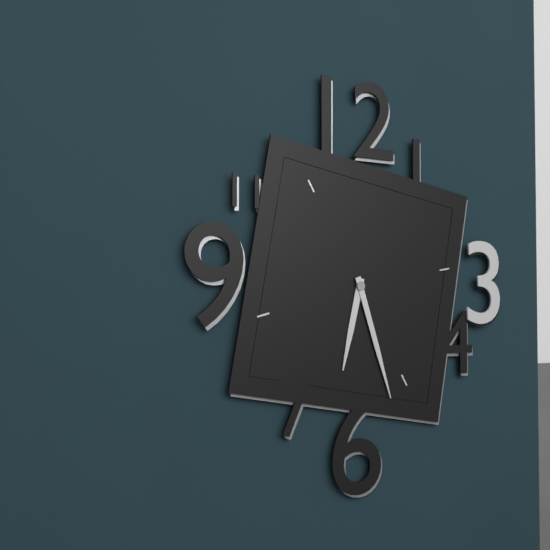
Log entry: {"hour": 6, "minute": 27}
